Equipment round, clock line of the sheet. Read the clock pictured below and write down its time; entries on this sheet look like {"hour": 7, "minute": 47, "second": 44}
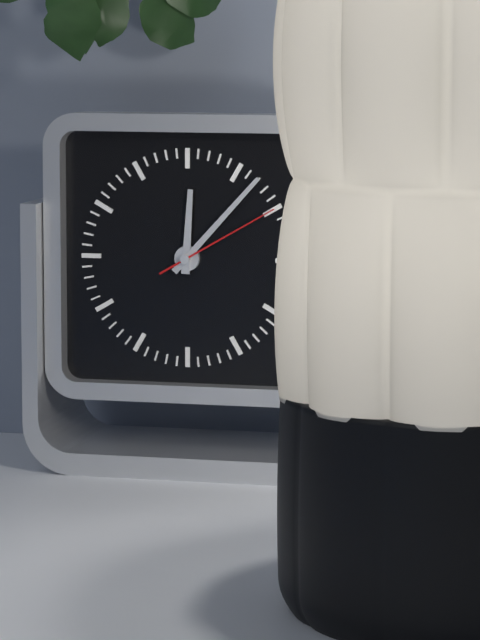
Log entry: {"hour": 12, "minute": 7, "second": 10}
